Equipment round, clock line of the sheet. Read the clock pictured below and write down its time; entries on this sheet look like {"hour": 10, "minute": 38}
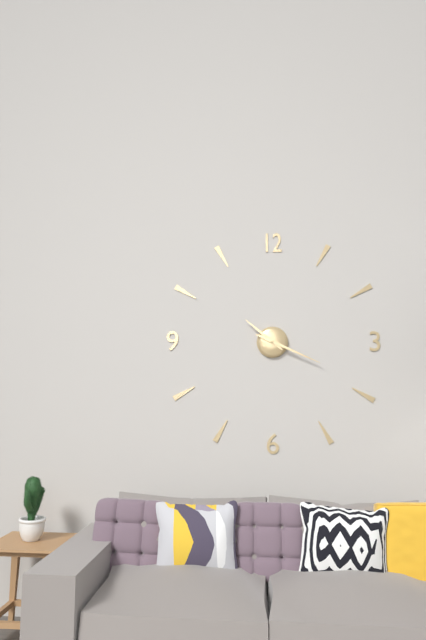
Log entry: {"hour": 10, "minute": 19}
